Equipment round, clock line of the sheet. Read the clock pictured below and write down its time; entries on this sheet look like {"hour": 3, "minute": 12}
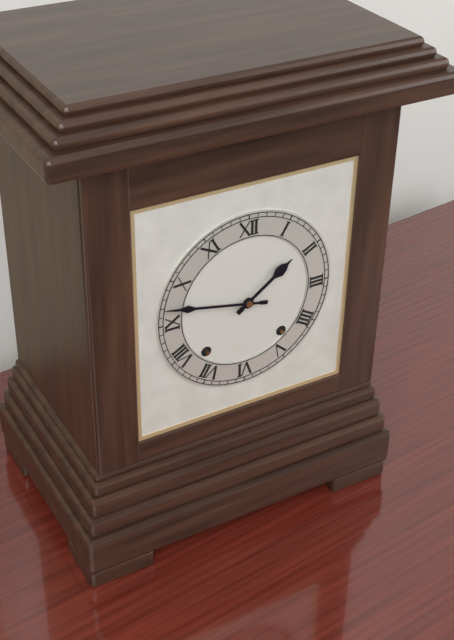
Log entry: {"hour": 1, "minute": 47}
